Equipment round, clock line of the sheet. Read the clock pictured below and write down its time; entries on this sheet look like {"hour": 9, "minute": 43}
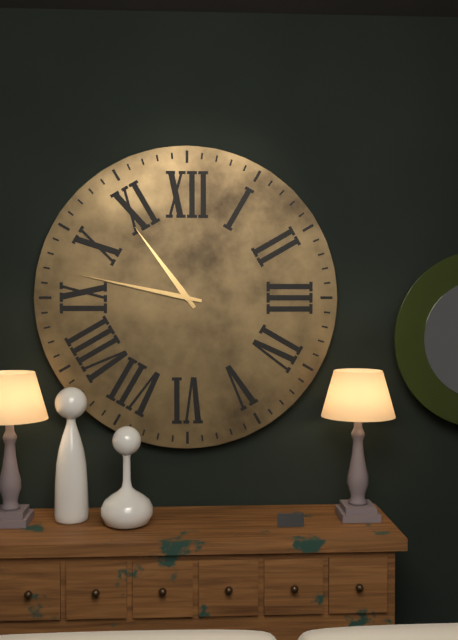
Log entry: {"hour": 10, "minute": 47}
